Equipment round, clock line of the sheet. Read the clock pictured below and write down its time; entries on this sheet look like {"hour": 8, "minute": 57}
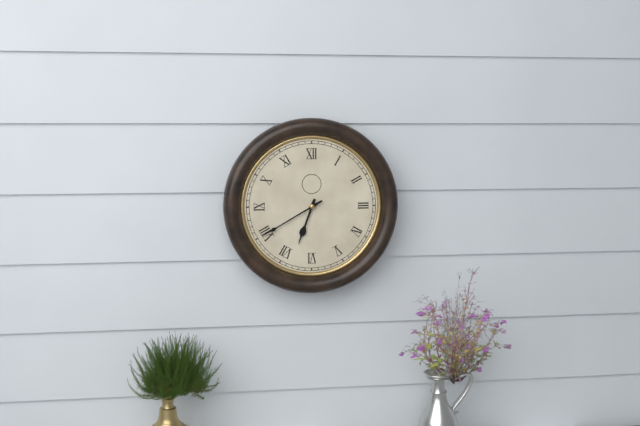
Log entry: {"hour": 6, "minute": 40}
